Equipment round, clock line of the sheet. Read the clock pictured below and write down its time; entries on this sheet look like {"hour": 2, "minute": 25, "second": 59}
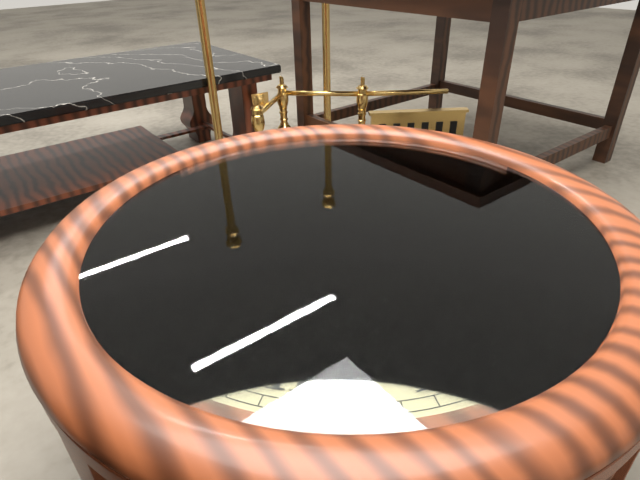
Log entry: {"hour": 10, "minute": 47, "second": 20}
